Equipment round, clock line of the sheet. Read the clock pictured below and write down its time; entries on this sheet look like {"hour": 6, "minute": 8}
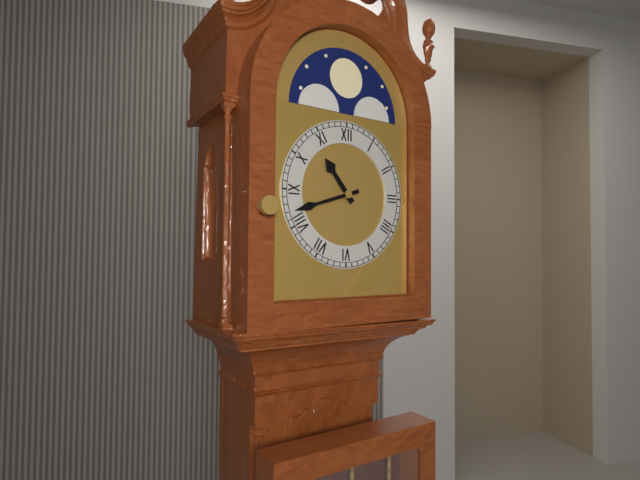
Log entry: {"hour": 10, "minute": 42}
